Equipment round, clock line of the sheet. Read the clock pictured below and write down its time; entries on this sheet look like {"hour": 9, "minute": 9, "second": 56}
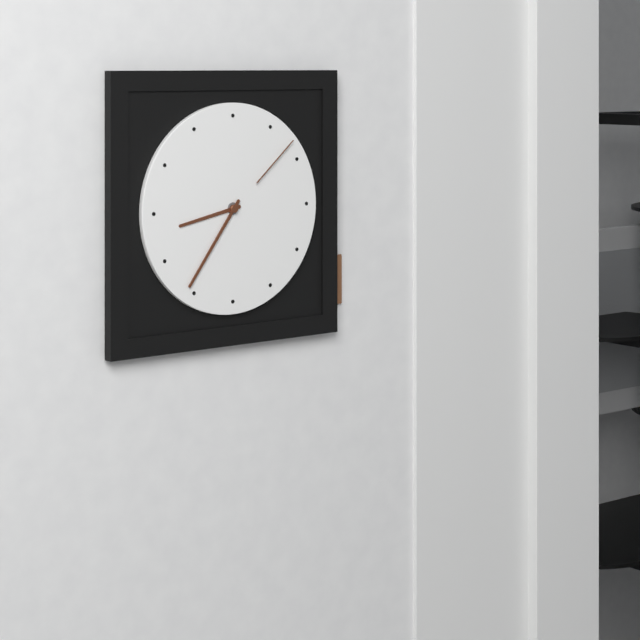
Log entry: {"hour": 8, "minute": 36, "second": 8}
